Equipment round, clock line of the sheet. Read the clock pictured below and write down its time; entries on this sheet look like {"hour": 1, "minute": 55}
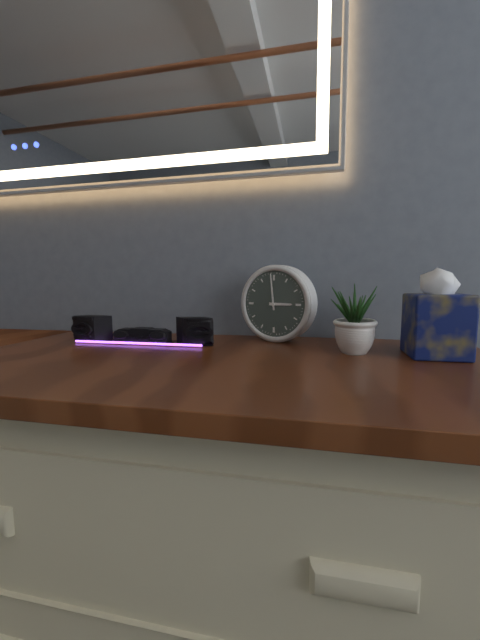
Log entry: {"hour": 2, "minute": 59}
